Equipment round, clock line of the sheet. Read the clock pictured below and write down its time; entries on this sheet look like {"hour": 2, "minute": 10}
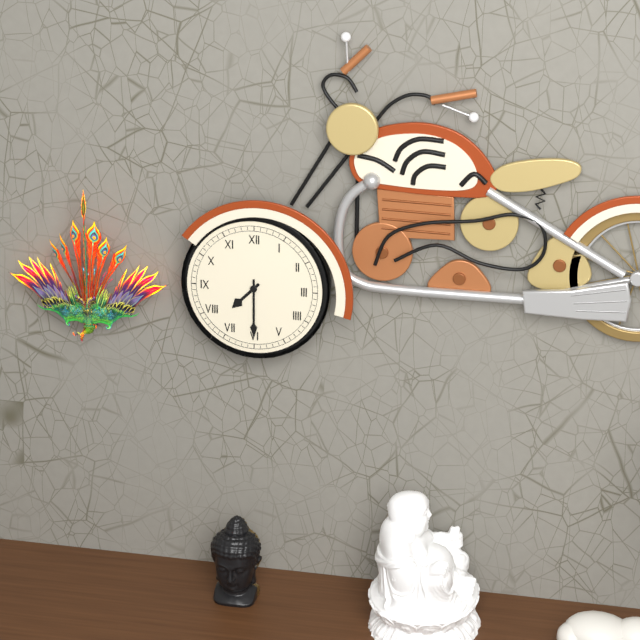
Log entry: {"hour": 7, "minute": 30}
